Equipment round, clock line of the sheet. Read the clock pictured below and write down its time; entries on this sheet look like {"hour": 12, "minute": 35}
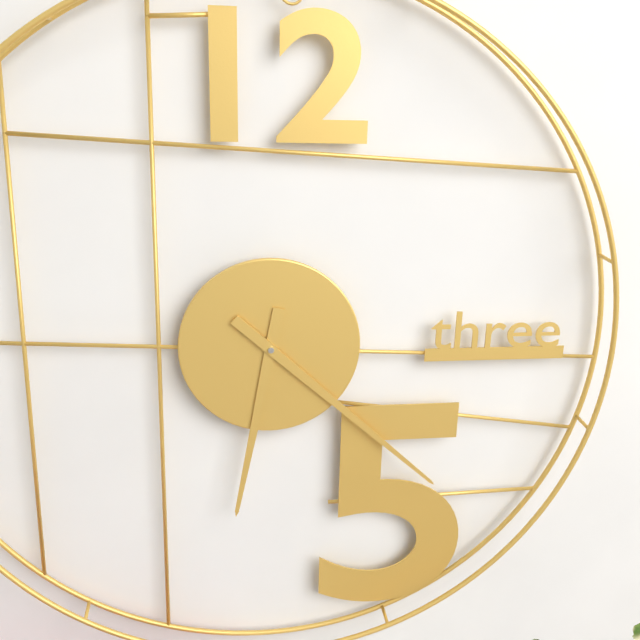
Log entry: {"hour": 6, "minute": 22}
